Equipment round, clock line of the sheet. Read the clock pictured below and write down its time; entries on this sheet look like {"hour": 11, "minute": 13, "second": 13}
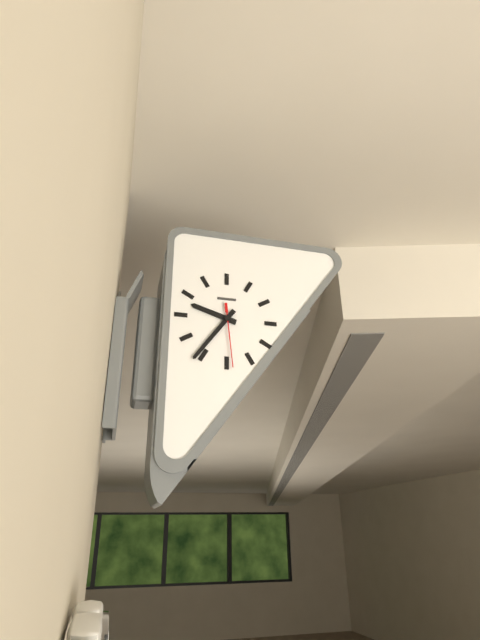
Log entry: {"hour": 9, "minute": 36, "second": 29}
